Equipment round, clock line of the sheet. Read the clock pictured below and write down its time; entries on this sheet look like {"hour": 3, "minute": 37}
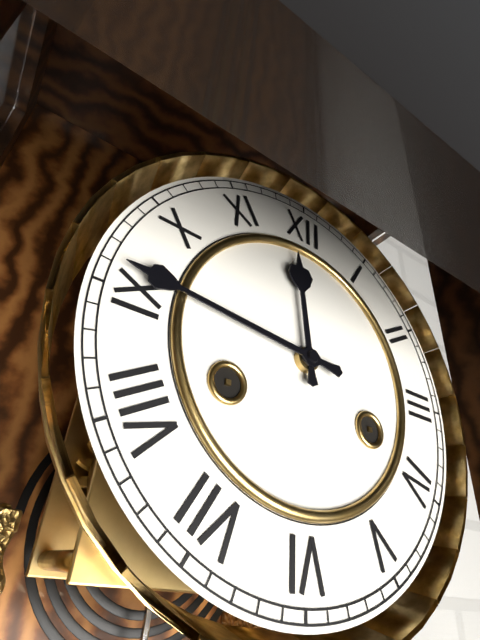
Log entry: {"hour": 11, "minute": 46}
